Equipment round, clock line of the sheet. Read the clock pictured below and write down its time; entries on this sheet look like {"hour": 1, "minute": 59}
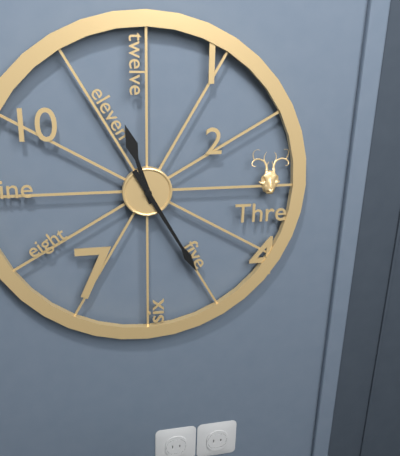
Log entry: {"hour": 11, "minute": 25}
